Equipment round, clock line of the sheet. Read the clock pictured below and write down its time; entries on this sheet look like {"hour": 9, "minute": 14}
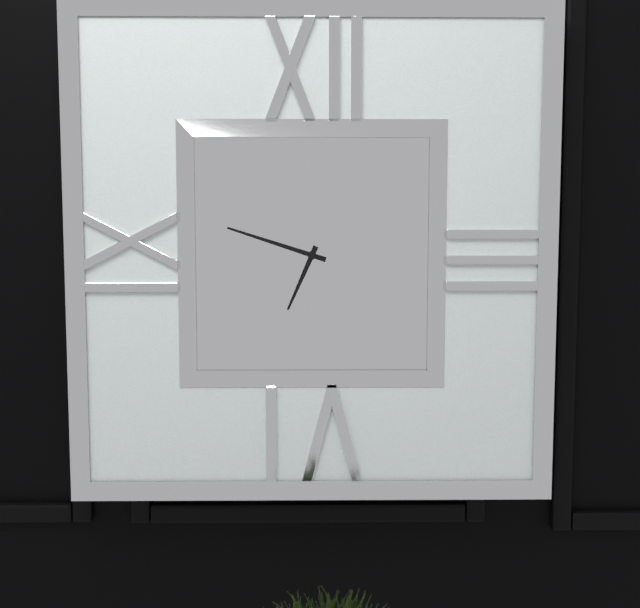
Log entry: {"hour": 6, "minute": 48}
